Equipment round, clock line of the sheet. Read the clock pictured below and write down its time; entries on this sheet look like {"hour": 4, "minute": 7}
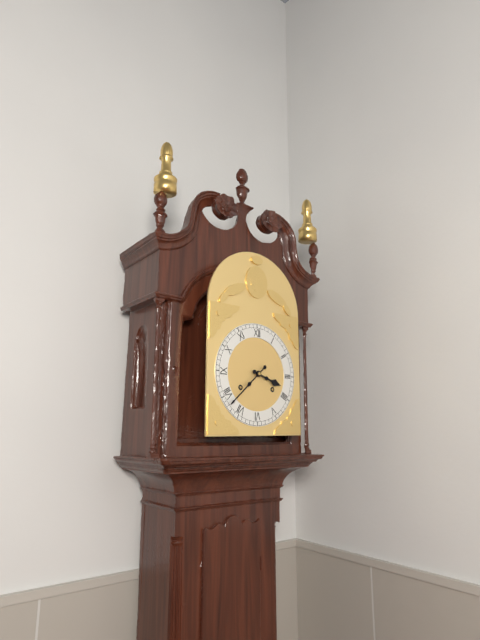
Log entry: {"hour": 3, "minute": 38}
